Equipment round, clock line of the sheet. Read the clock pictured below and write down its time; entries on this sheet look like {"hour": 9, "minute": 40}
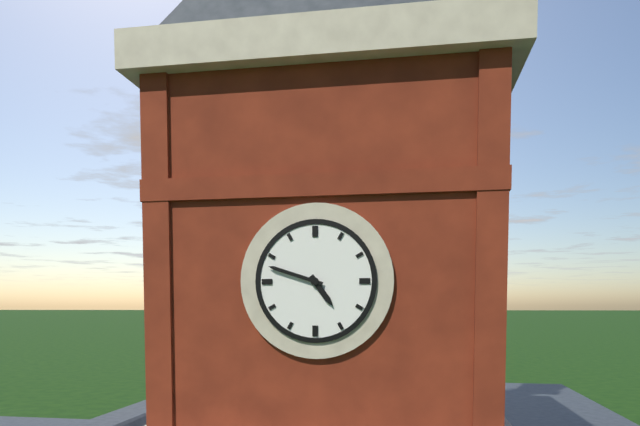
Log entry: {"hour": 4, "minute": 48}
